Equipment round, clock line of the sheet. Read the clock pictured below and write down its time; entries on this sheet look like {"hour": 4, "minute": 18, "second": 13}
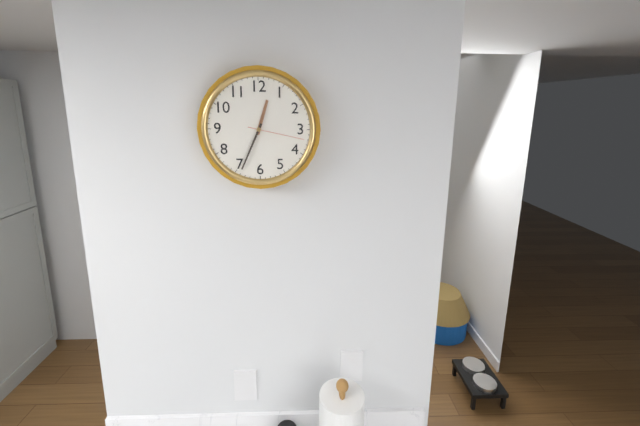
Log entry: {"hour": 12, "minute": 34, "second": 17}
